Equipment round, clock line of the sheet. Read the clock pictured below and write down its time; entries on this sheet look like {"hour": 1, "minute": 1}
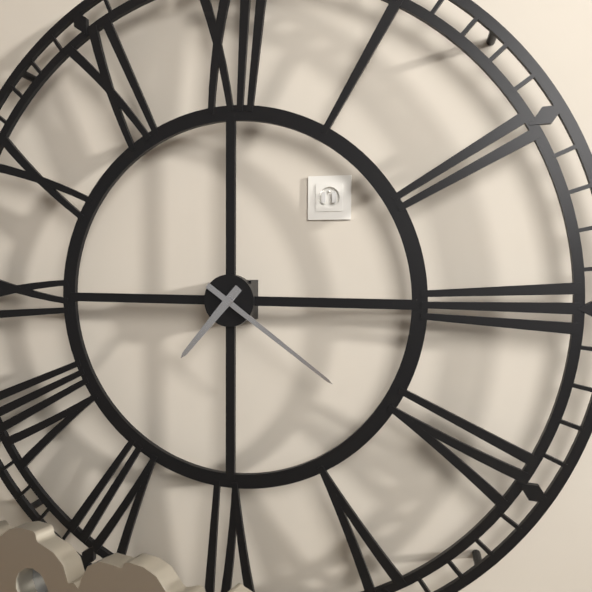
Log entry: {"hour": 7, "minute": 21}
